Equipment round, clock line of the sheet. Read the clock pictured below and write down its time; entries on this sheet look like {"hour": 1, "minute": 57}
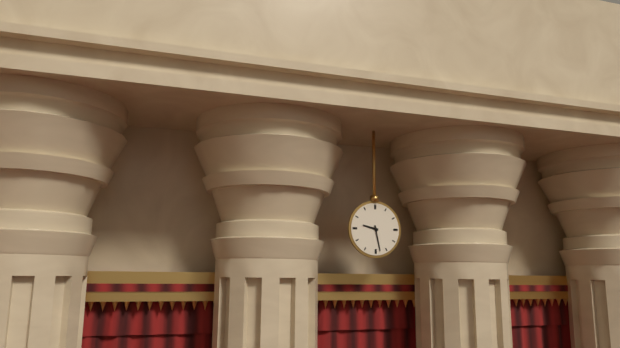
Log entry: {"hour": 9, "minute": 28}
